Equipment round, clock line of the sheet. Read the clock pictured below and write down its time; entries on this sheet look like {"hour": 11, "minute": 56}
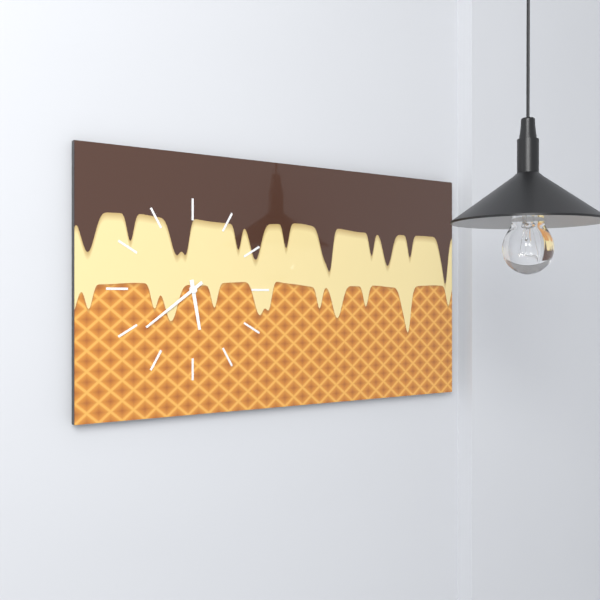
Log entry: {"hour": 5, "minute": 39}
